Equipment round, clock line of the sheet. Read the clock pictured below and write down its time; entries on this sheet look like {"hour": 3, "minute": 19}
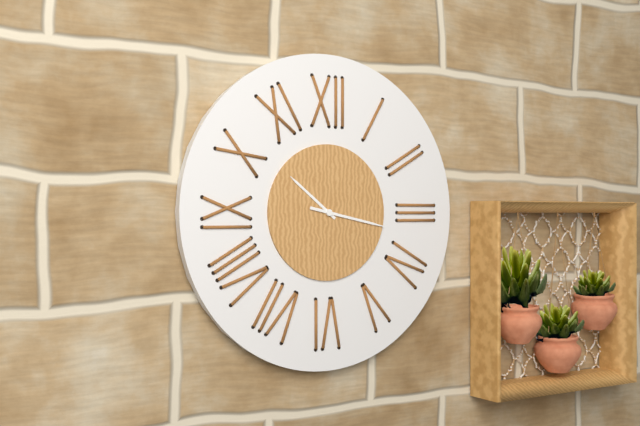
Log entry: {"hour": 10, "minute": 17}
